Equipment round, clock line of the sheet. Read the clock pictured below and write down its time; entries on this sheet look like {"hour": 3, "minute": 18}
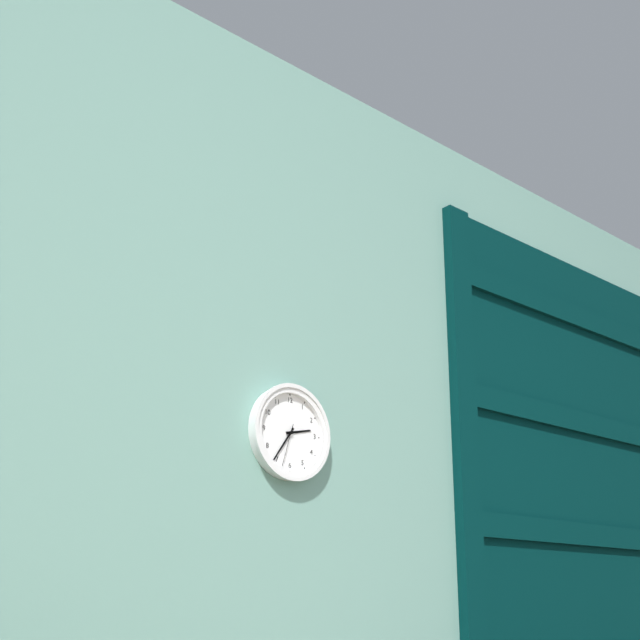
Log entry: {"hour": 2, "minute": 36}
